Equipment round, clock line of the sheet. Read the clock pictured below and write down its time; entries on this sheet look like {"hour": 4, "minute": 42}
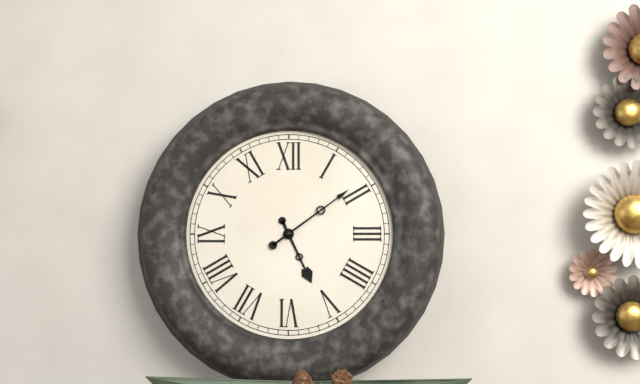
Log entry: {"hour": 5, "minute": 9}
